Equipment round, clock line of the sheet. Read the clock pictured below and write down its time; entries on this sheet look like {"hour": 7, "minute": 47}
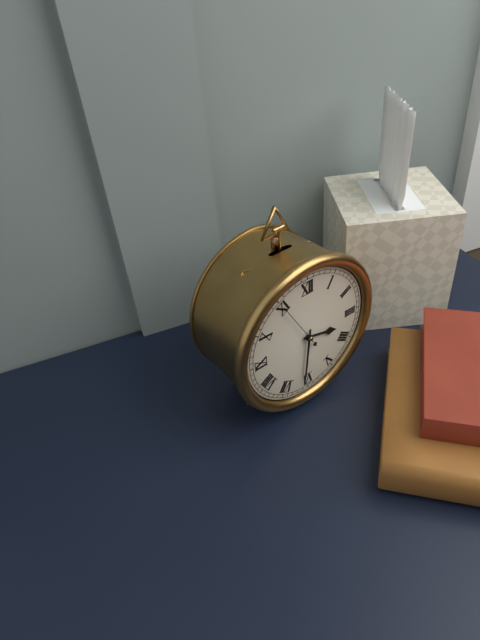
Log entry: {"hour": 3, "minute": 31}
